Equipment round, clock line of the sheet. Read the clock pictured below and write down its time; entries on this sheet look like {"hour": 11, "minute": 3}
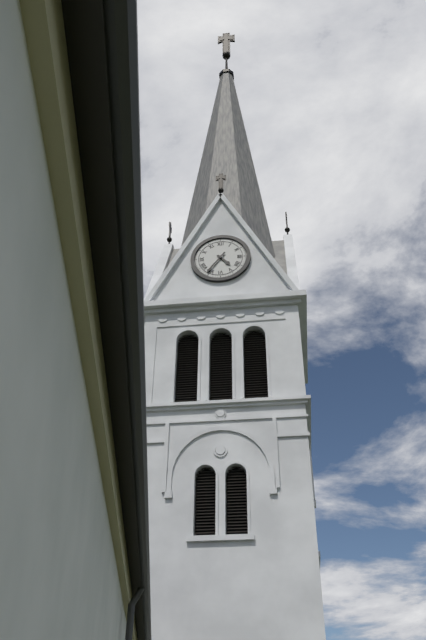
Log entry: {"hour": 4, "minute": 36}
